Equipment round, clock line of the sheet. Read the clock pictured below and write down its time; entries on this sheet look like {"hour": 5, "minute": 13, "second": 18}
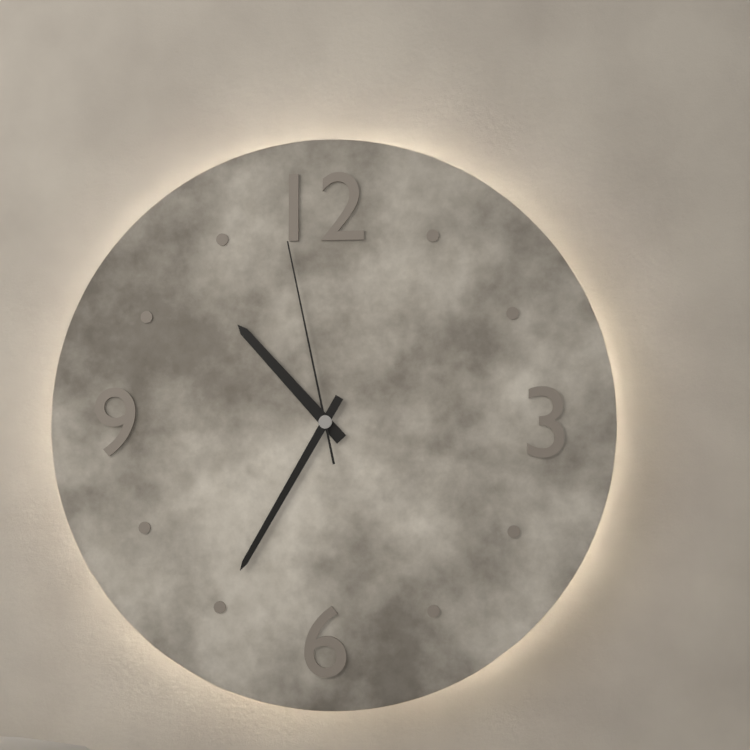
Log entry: {"hour": 10, "minute": 35, "second": 58}
